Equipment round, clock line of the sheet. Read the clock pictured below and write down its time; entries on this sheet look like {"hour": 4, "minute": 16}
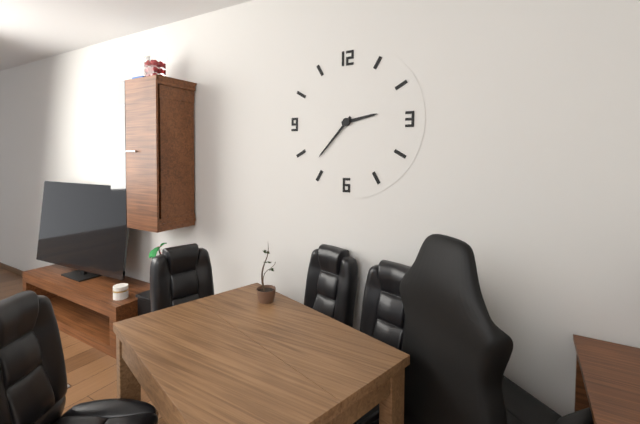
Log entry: {"hour": 2, "minute": 37}
